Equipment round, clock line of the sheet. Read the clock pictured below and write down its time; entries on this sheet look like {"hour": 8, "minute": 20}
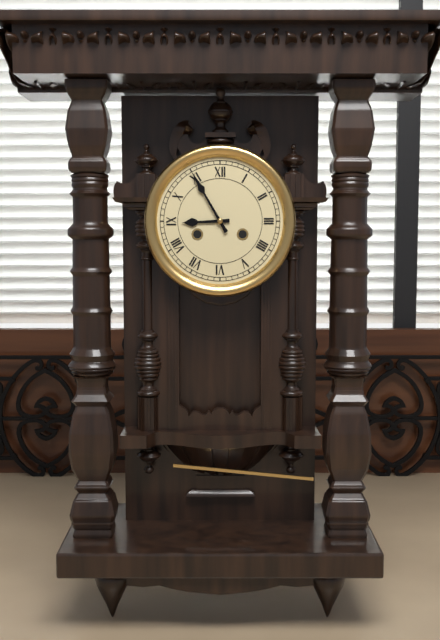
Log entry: {"hour": 8, "minute": 55}
